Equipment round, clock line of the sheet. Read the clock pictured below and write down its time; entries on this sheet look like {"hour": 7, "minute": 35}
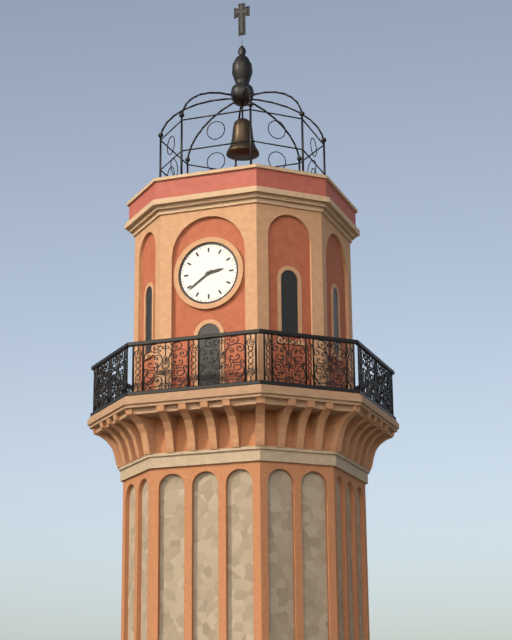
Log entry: {"hour": 2, "minute": 39}
